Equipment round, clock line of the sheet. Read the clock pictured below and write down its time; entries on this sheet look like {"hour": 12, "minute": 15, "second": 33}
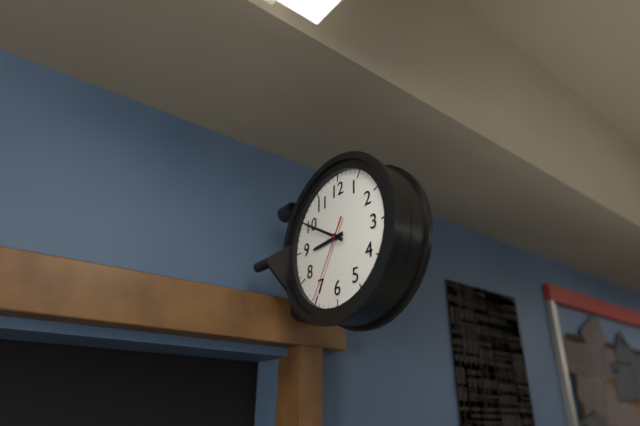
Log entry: {"hour": 8, "minute": 50, "second": 35}
